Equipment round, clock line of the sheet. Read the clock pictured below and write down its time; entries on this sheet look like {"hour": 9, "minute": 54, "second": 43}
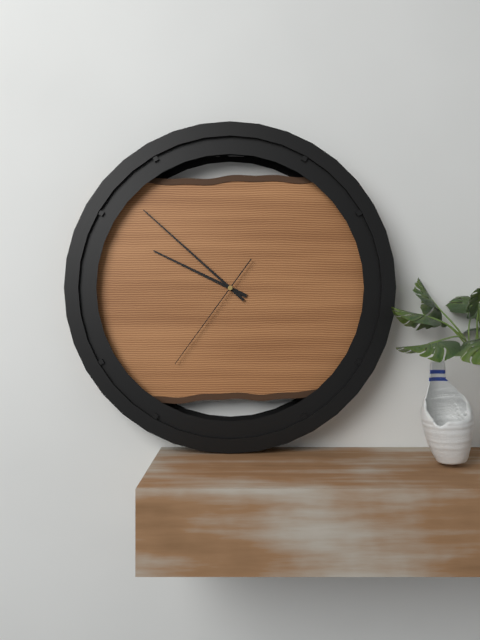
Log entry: {"hour": 9, "minute": 52, "second": 36}
